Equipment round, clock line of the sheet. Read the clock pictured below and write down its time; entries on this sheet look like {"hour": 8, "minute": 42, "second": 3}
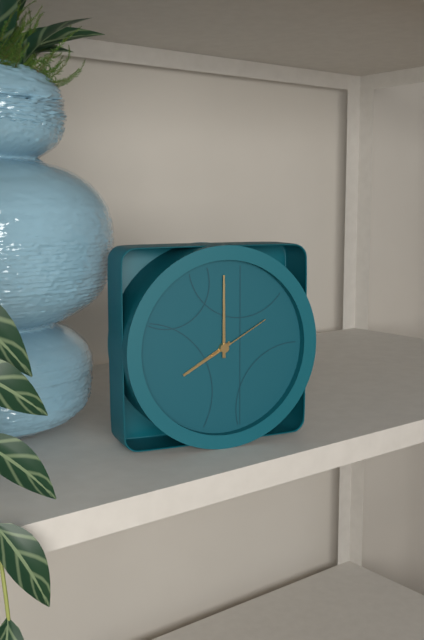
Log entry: {"hour": 8, "minute": 0, "second": 10}
